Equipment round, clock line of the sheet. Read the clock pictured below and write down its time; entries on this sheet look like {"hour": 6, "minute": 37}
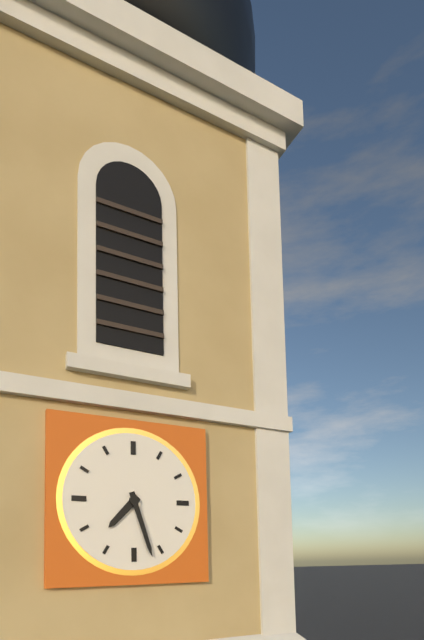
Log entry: {"hour": 7, "minute": 27}
